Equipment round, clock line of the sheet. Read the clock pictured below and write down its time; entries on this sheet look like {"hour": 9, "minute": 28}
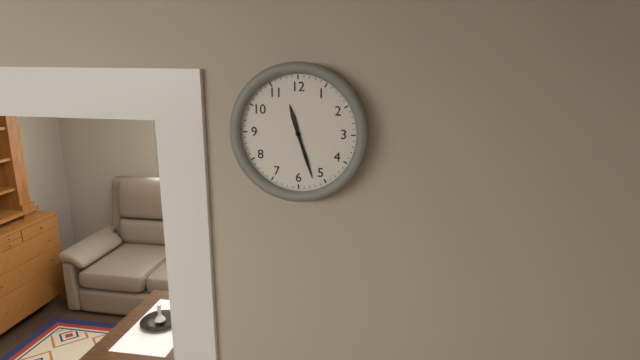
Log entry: {"hour": 11, "minute": 27}
